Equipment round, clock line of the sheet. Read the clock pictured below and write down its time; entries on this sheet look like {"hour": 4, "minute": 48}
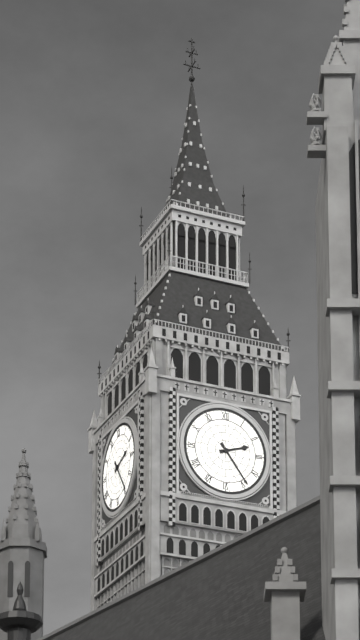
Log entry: {"hour": 2, "minute": 24}
